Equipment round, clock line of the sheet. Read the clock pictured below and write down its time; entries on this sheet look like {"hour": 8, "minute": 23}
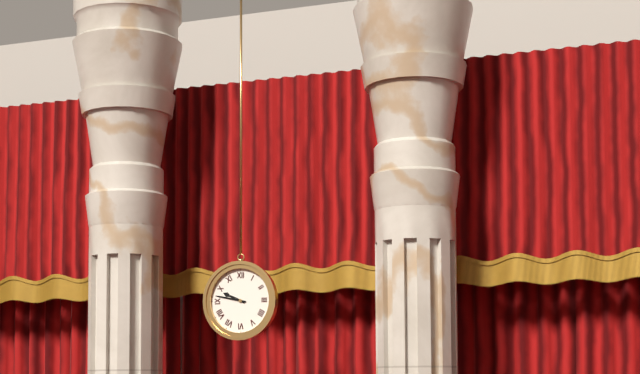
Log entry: {"hour": 9, "minute": 47}
